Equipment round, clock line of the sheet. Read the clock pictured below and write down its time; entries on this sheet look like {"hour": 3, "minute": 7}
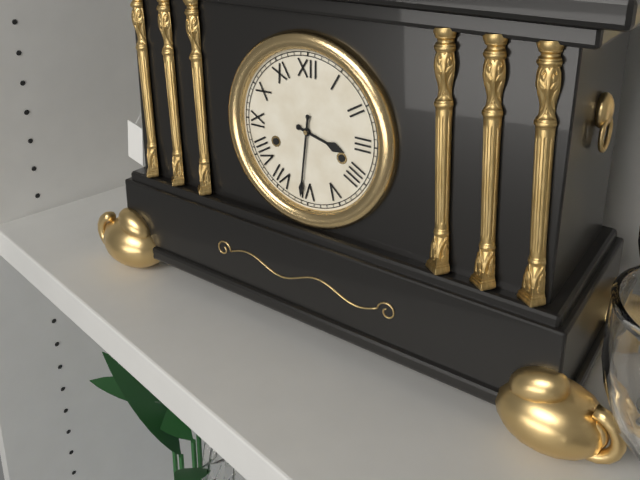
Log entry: {"hour": 3, "minute": 31}
